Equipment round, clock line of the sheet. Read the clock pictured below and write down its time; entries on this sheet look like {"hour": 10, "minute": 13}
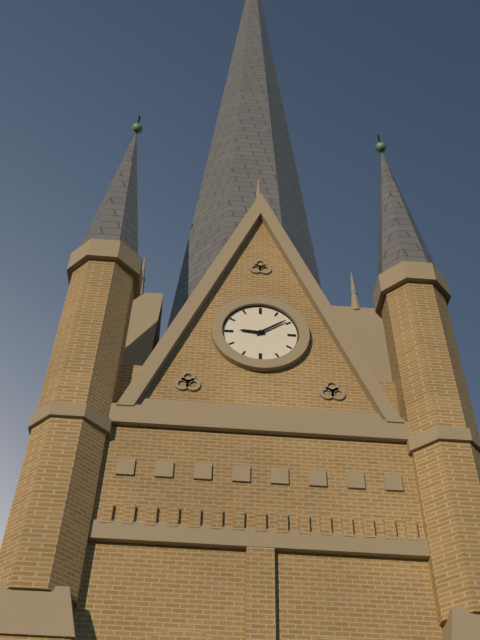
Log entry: {"hour": 9, "minute": 9}
